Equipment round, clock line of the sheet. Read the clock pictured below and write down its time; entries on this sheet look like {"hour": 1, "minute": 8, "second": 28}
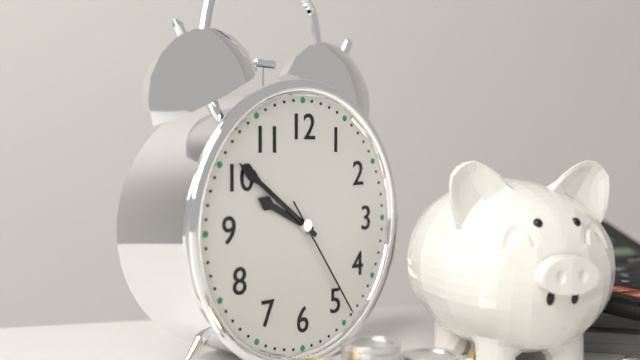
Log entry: {"hour": 9, "minute": 51, "second": 24}
